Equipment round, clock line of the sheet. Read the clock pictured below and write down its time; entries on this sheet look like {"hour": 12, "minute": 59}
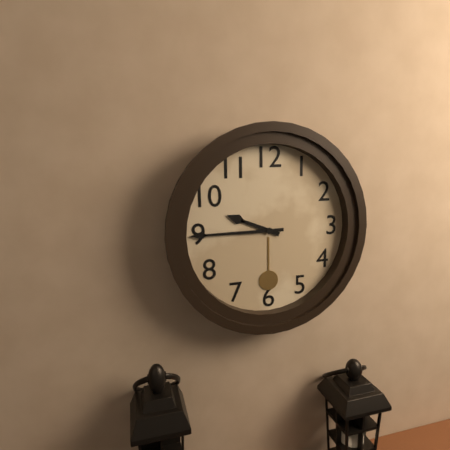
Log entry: {"hour": 9, "minute": 45}
